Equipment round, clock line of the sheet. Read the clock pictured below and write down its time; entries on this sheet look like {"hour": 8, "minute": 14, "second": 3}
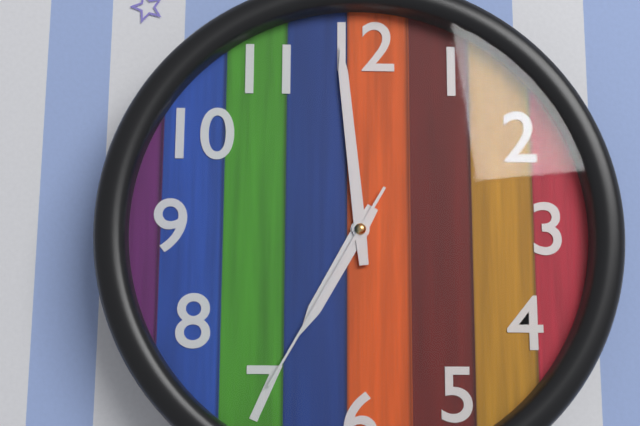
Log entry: {"hour": 6, "minute": 59, "second": 35}
